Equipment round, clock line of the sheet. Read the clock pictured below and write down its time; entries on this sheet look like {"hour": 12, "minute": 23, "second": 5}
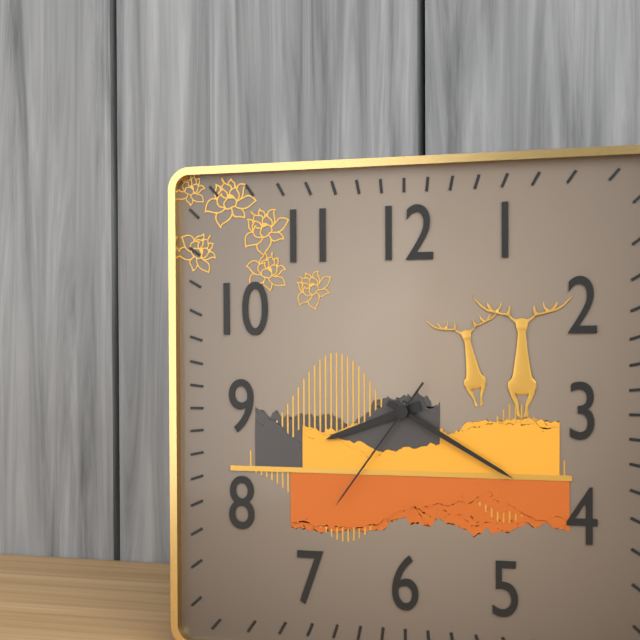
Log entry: {"hour": 8, "minute": 20, "second": 36}
